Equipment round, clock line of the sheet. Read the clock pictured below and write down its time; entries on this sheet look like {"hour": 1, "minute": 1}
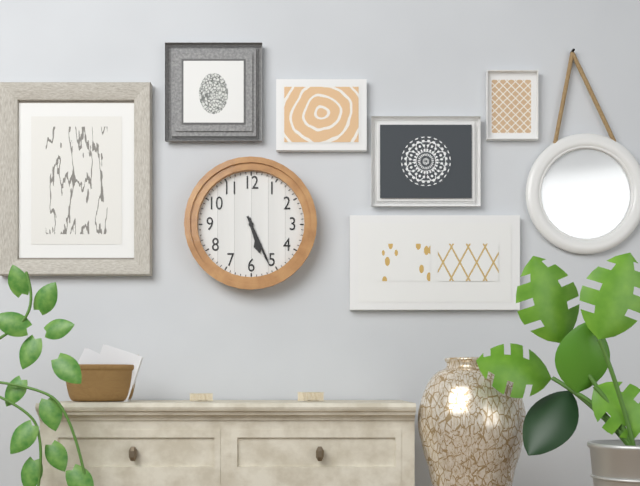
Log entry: {"hour": 5, "minute": 26}
